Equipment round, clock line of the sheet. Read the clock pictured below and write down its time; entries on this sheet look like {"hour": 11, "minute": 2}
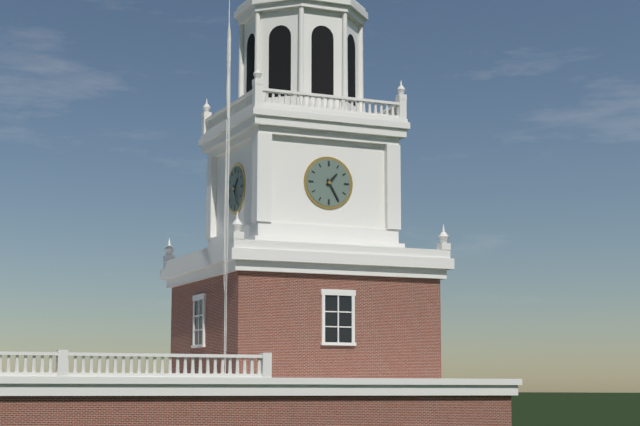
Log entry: {"hour": 1, "minute": 25}
